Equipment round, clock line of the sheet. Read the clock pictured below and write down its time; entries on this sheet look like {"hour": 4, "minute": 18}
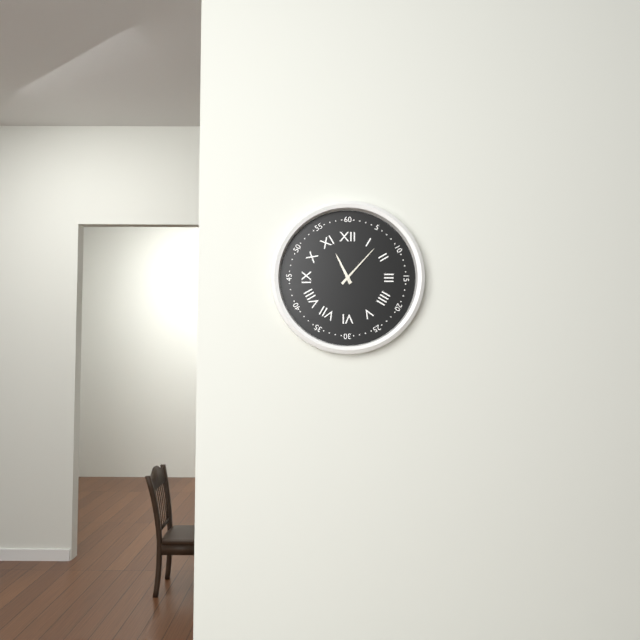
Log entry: {"hour": 11, "minute": 7}
